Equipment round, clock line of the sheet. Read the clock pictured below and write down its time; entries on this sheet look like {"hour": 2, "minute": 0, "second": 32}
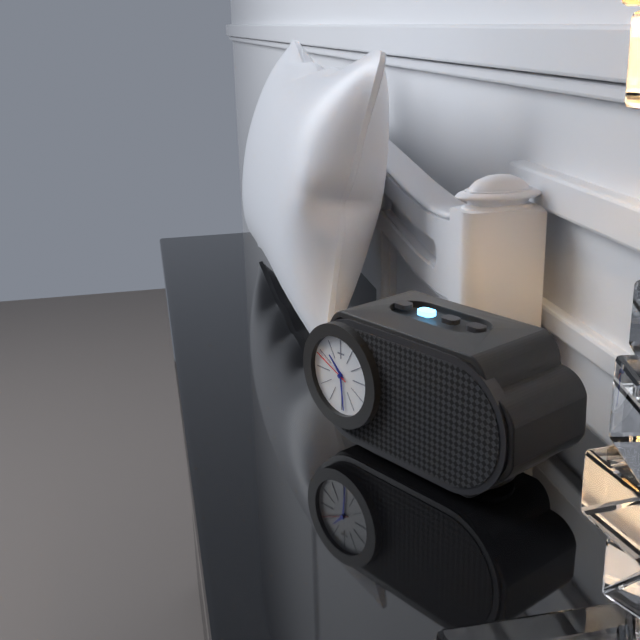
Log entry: {"hour": 10, "minute": 29, "second": 49}
